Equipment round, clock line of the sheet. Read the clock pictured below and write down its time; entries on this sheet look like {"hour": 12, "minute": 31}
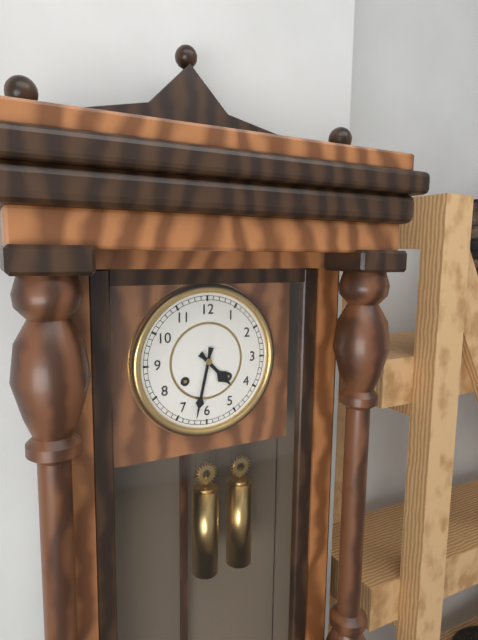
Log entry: {"hour": 4, "minute": 32}
